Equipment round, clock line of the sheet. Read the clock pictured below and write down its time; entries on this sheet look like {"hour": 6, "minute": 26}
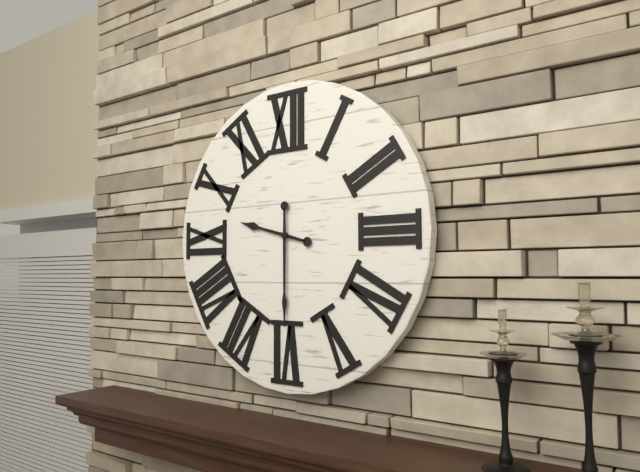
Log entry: {"hour": 9, "minute": 30}
